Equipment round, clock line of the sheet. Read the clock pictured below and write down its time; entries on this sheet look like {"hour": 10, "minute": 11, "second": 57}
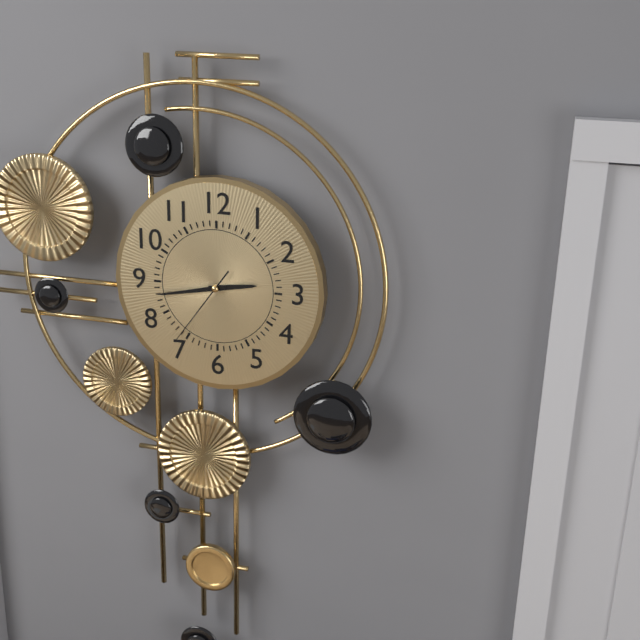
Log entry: {"hour": 2, "minute": 43, "second": 36}
